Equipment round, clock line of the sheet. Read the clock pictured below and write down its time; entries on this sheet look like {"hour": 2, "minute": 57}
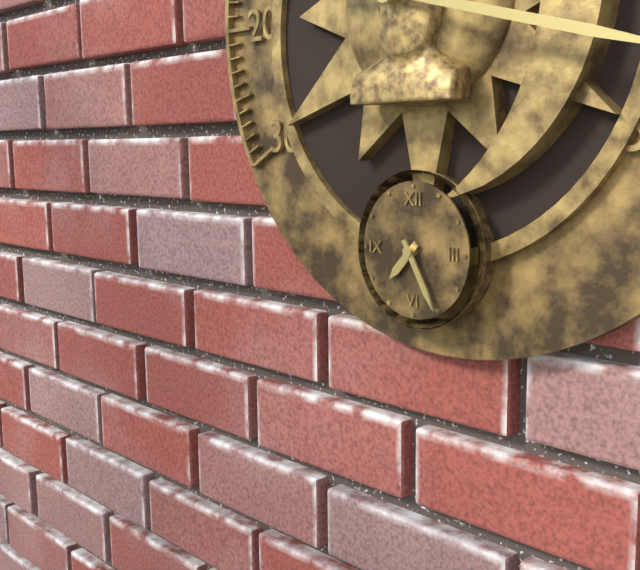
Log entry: {"hour": 7, "minute": 25}
